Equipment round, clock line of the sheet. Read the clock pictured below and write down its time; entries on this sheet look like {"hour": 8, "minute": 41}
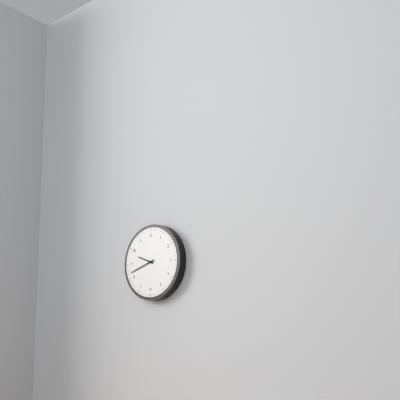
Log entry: {"hour": 9, "minute": 42}
